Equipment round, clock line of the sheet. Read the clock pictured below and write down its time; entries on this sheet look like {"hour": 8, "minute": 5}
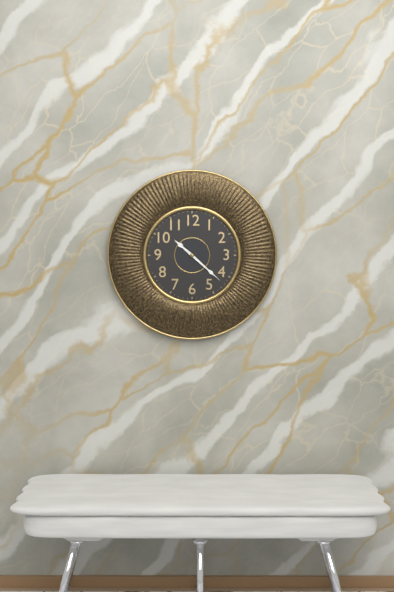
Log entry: {"hour": 10, "minute": 22}
